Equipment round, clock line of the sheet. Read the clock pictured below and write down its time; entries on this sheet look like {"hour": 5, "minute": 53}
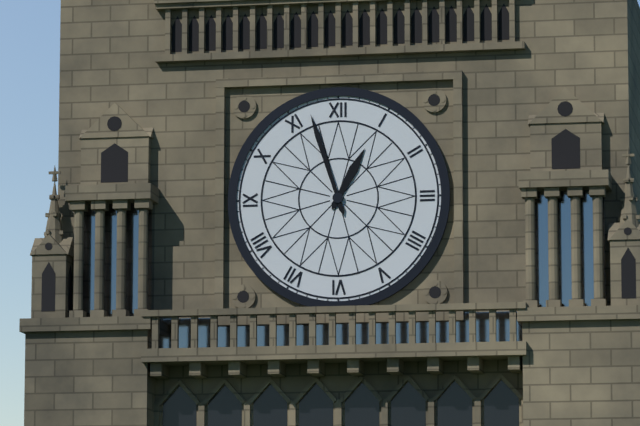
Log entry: {"hour": 12, "minute": 57}
